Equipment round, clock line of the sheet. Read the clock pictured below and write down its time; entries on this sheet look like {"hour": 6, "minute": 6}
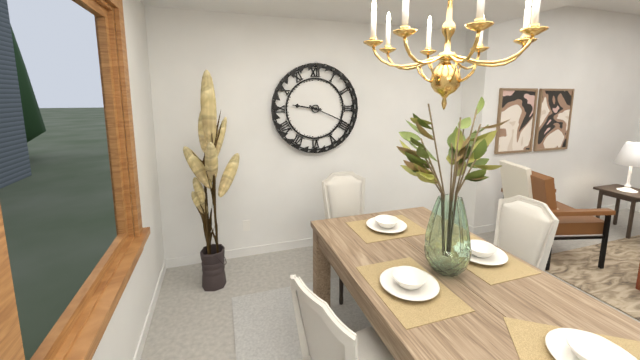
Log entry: {"hour": 9, "minute": 19}
